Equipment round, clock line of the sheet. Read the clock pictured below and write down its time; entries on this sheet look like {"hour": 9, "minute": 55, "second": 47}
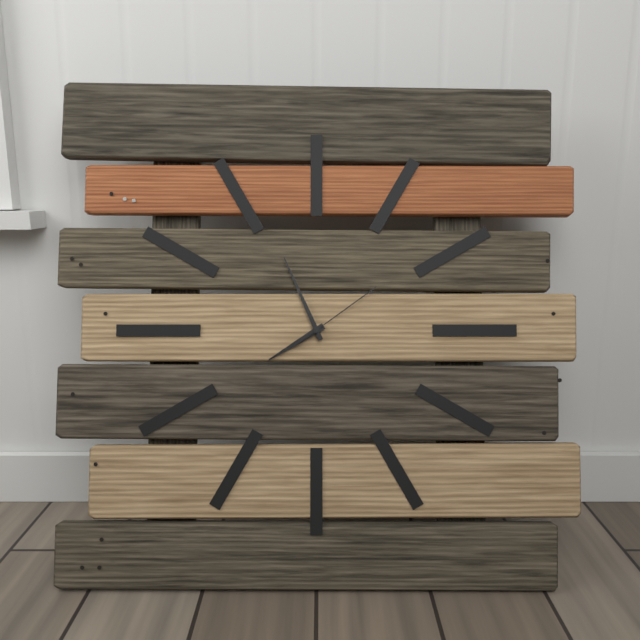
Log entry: {"hour": 7, "minute": 56, "second": 9}
